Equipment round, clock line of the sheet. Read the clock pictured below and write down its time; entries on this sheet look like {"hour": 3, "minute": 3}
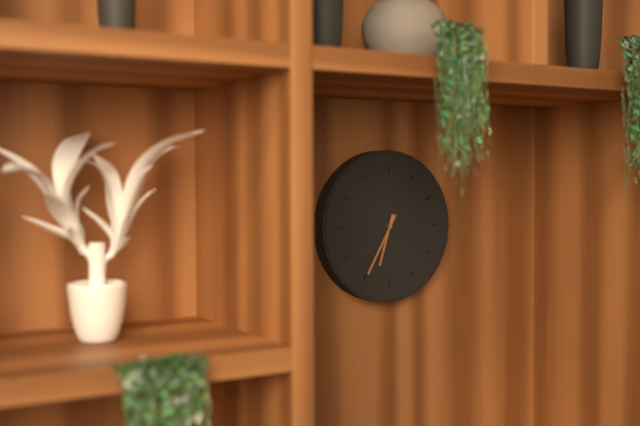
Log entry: {"hour": 6, "minute": 35}
